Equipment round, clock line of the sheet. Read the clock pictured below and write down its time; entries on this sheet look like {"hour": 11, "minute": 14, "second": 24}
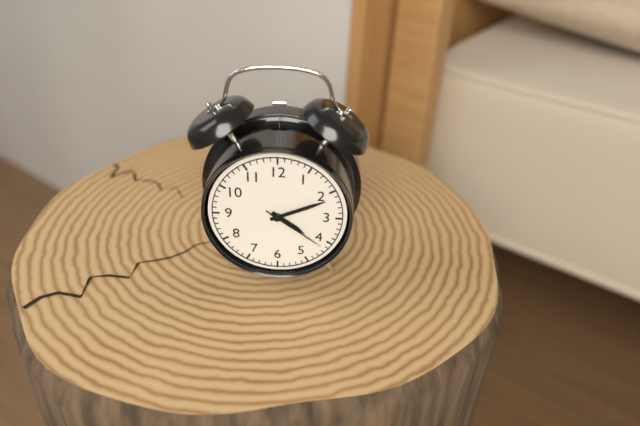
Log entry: {"hour": 4, "minute": 11, "second": 21}
